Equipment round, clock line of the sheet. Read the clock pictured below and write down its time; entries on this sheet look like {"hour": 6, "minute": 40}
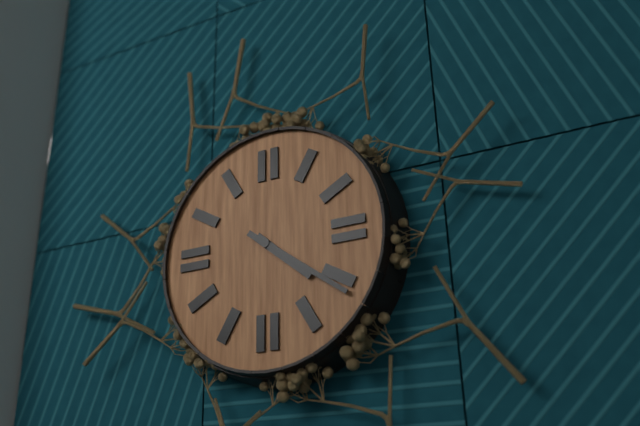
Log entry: {"hour": 4, "minute": 21}
